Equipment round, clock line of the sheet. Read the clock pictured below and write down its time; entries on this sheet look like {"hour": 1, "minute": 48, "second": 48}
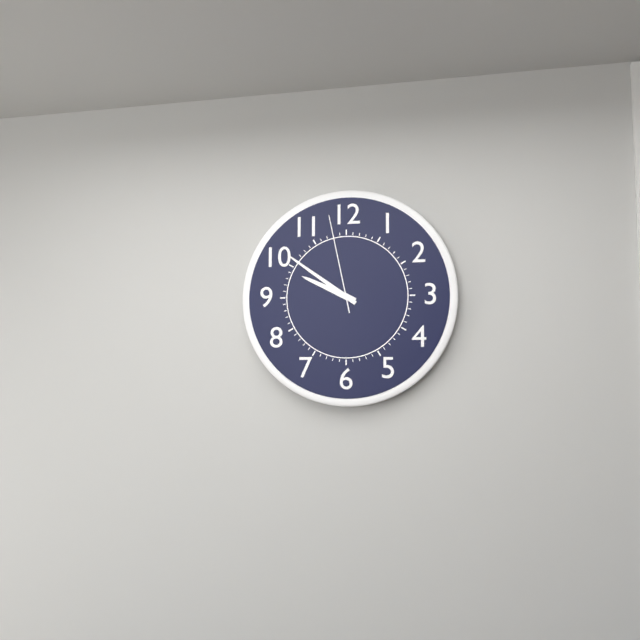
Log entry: {"hour": 9, "minute": 51, "second": 58}
